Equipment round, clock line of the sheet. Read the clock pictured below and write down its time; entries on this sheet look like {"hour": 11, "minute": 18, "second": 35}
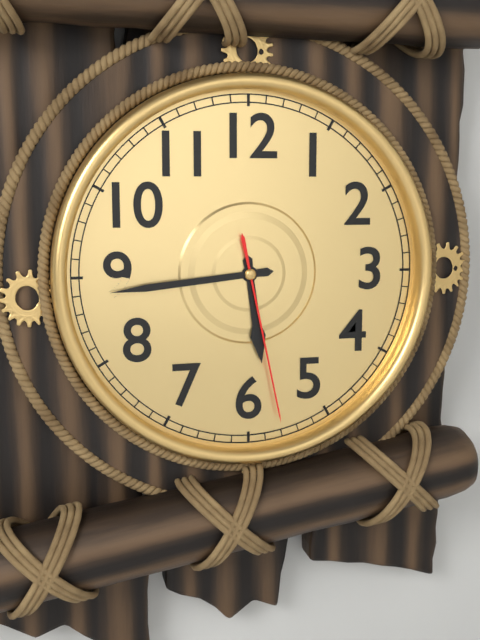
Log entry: {"hour": 5, "minute": 44, "second": 28}
